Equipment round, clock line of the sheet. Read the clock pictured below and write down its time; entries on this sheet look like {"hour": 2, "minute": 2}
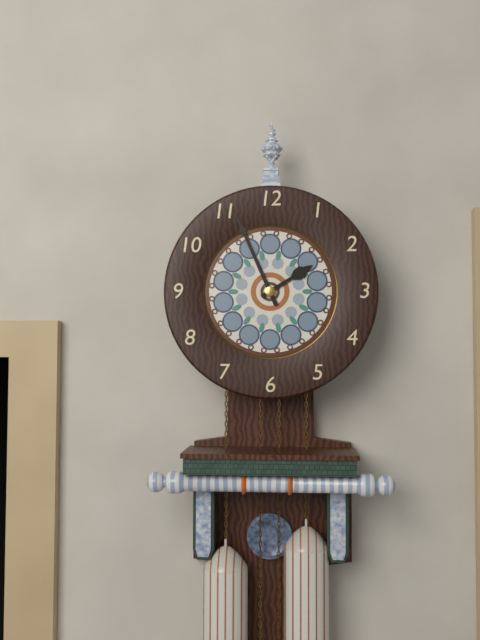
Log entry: {"hour": 1, "minute": 56}
